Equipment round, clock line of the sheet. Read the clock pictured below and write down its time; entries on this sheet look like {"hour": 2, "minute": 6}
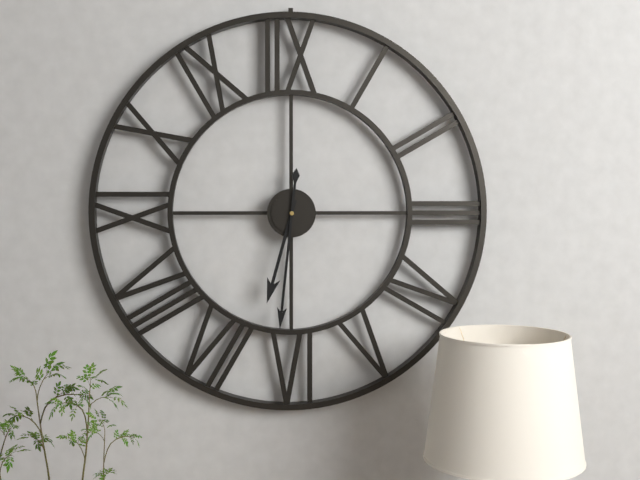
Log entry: {"hour": 6, "minute": 31}
